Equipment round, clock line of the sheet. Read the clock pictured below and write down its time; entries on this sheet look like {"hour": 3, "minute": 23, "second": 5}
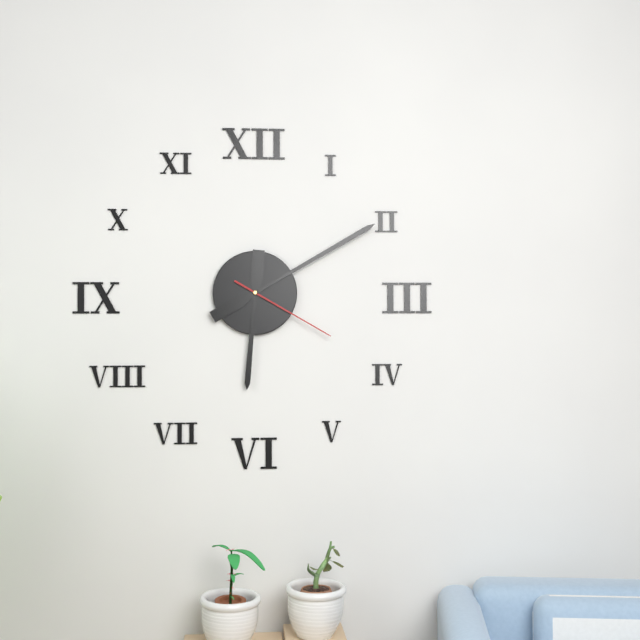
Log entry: {"hour": 6, "minute": 10, "second": 20}
